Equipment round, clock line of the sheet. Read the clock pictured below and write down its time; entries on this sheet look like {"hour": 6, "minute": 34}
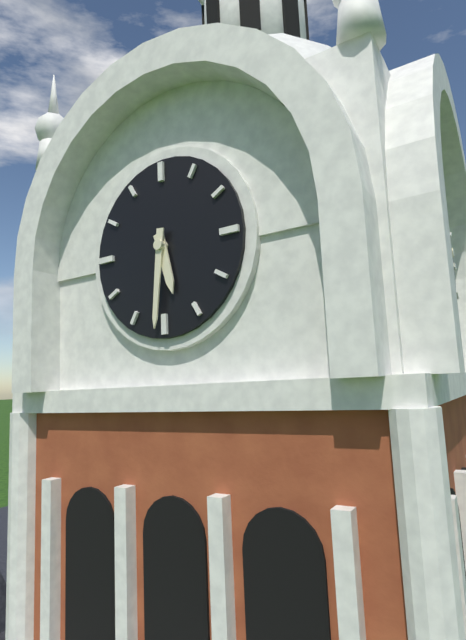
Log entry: {"hour": 5, "minute": 31}
